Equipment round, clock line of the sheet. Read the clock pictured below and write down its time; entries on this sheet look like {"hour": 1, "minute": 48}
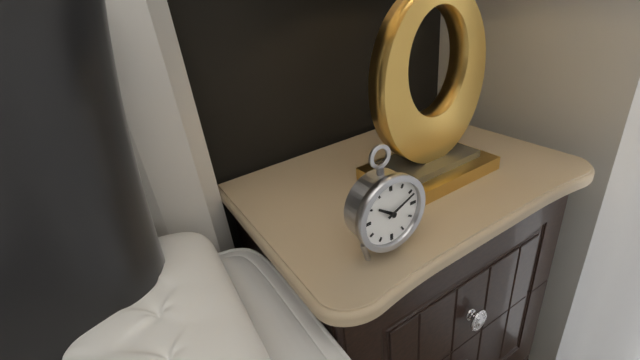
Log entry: {"hour": 10, "minute": 11}
